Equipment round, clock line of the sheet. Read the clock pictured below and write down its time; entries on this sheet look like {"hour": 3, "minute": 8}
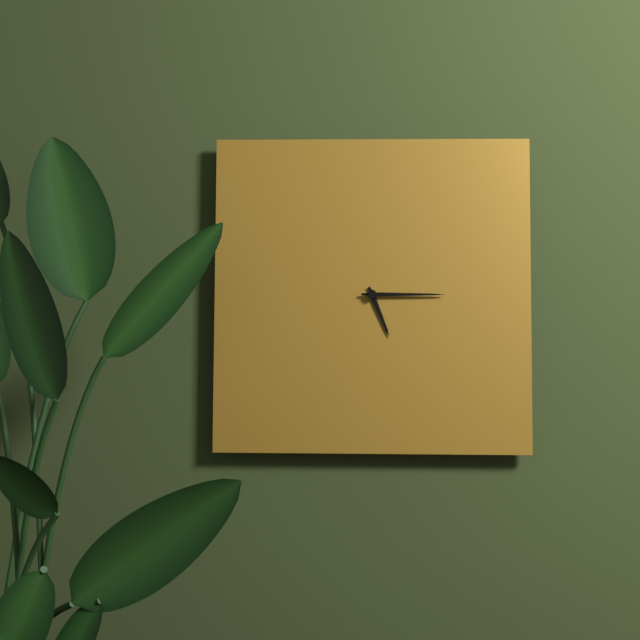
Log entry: {"hour": 5, "minute": 15}
